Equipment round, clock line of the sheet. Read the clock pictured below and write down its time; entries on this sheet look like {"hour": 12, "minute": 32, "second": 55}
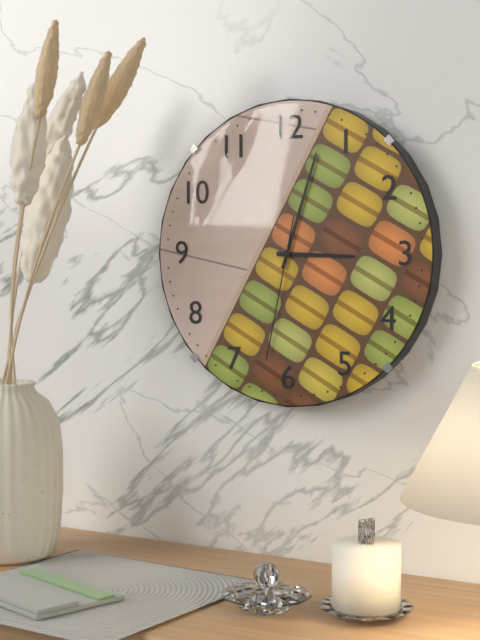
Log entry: {"hour": 3, "minute": 3, "second": 32}
